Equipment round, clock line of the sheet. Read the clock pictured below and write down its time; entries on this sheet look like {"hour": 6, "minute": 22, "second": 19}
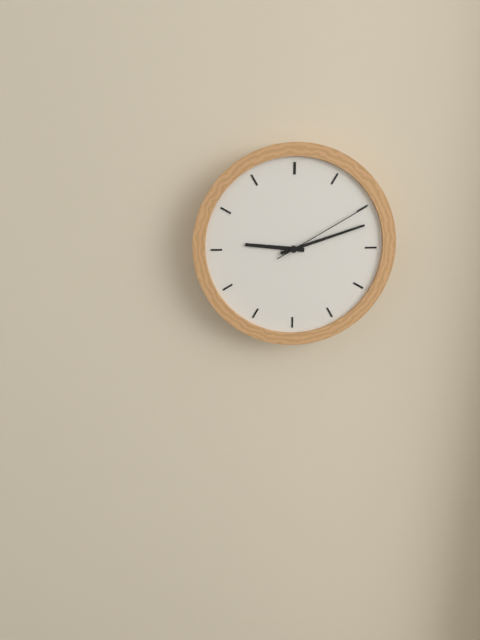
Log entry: {"hour": 9, "minute": 12, "second": 10}
